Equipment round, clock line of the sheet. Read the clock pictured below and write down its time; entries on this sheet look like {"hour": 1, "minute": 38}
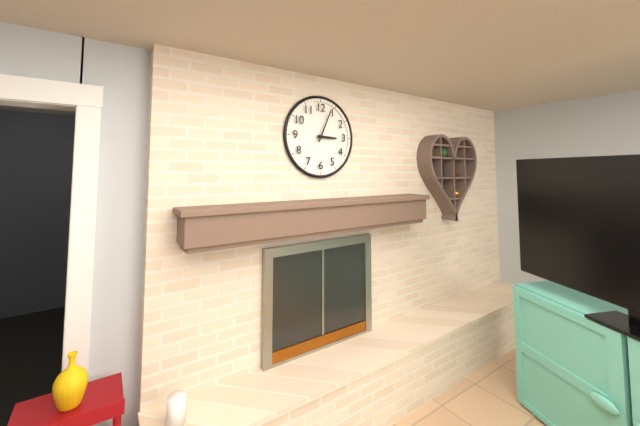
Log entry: {"hour": 3, "minute": 4}
